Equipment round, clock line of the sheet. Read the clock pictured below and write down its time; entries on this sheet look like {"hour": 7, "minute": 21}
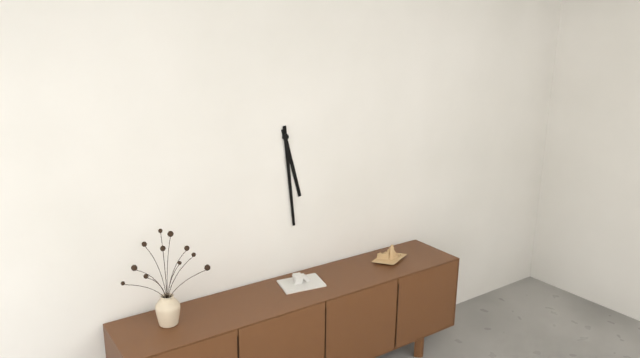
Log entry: {"hour": 5, "minute": 29}
